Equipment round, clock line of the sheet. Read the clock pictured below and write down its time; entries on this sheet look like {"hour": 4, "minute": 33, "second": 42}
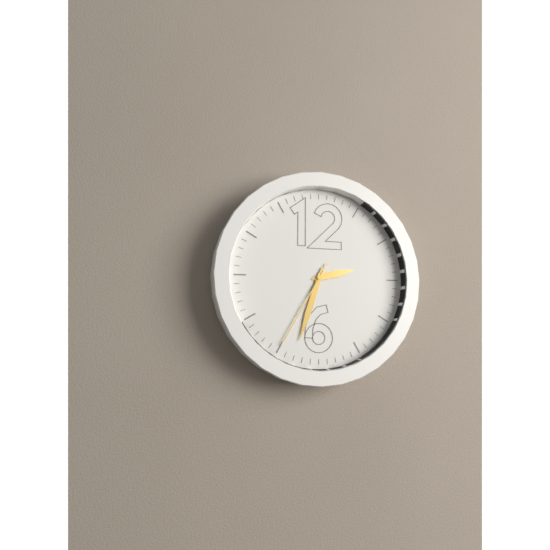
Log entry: {"hour": 2, "minute": 33, "second": 35}
